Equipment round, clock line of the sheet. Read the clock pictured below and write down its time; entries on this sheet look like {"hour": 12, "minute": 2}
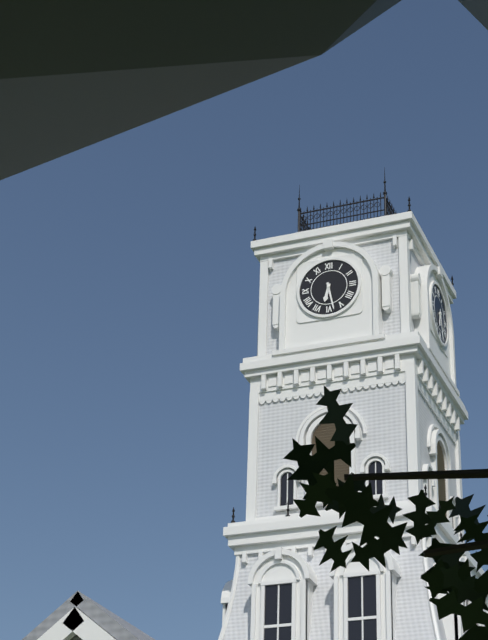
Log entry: {"hour": 6, "minute": 28}
